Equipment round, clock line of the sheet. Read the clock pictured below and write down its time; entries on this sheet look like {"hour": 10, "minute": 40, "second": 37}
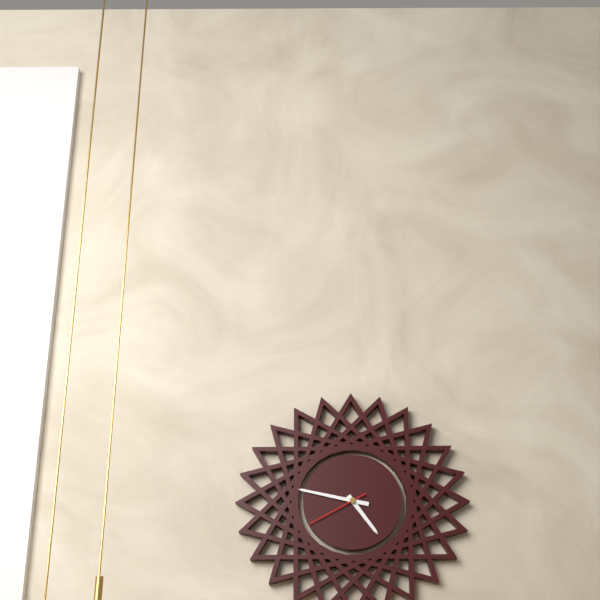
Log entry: {"hour": 4, "minute": 47, "second": 40}
